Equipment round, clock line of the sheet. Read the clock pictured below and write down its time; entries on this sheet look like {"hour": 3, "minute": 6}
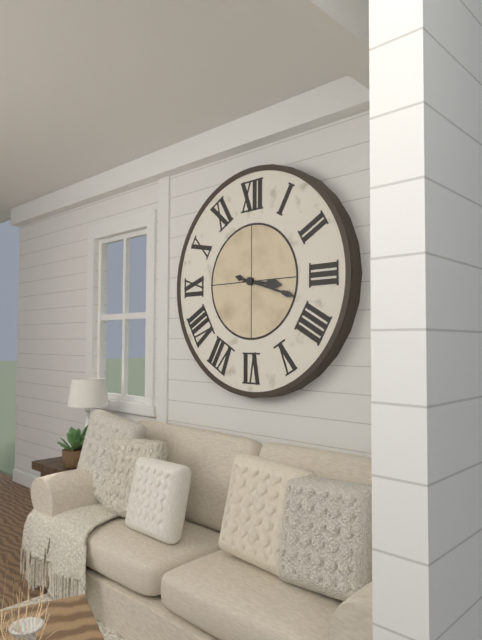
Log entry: {"hour": 3, "minute": 18}
